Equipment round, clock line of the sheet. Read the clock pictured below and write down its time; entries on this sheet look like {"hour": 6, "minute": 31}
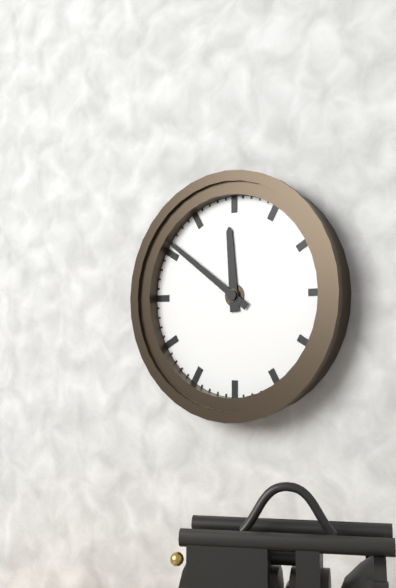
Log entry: {"hour": 11, "minute": 51}
